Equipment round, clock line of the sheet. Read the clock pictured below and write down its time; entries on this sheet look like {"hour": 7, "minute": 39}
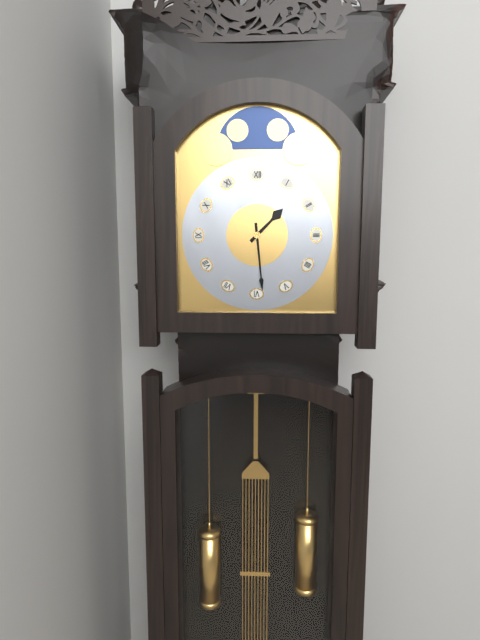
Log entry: {"hour": 1, "minute": 29}
